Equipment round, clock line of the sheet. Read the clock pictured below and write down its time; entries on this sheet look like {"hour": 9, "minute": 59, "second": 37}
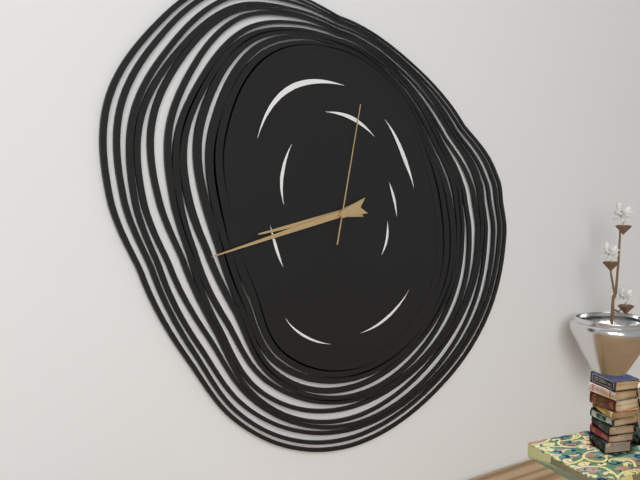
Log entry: {"hour": 8, "minute": 43, "second": 2}
